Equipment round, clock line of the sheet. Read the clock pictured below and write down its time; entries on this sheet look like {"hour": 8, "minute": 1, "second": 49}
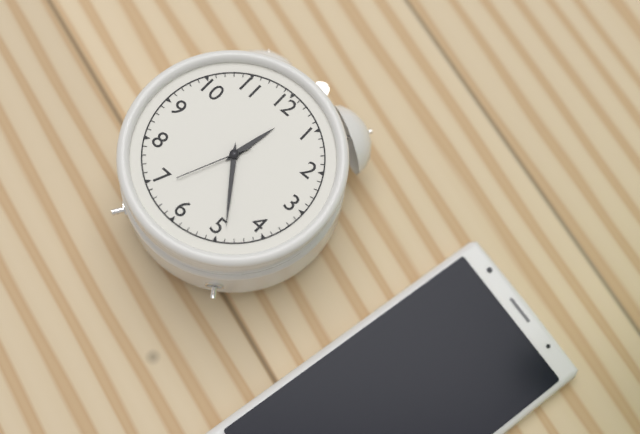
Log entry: {"hour": 12, "minute": 24, "second": 34}
